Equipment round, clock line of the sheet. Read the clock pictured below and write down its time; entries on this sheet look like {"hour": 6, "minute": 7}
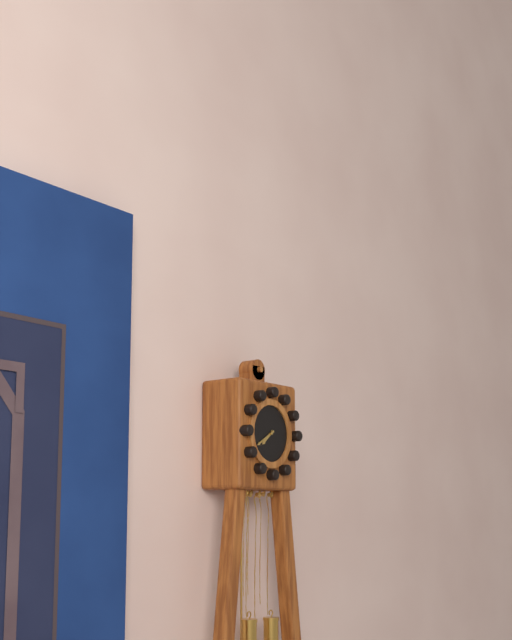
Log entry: {"hour": 7, "minute": 40}
